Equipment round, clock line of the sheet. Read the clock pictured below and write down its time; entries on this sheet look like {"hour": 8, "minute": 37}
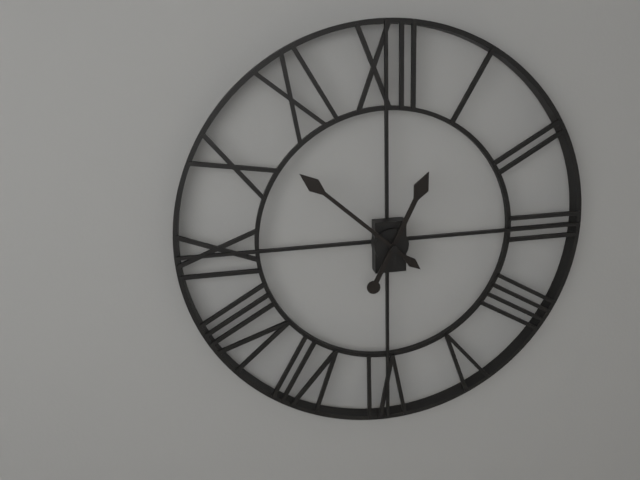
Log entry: {"hour": 12, "minute": 52}
